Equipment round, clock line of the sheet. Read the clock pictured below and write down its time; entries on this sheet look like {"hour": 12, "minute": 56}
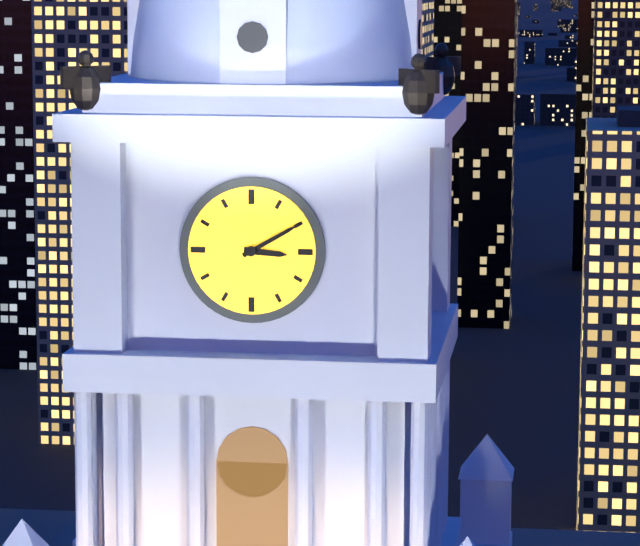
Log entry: {"hour": 3, "minute": 10}
